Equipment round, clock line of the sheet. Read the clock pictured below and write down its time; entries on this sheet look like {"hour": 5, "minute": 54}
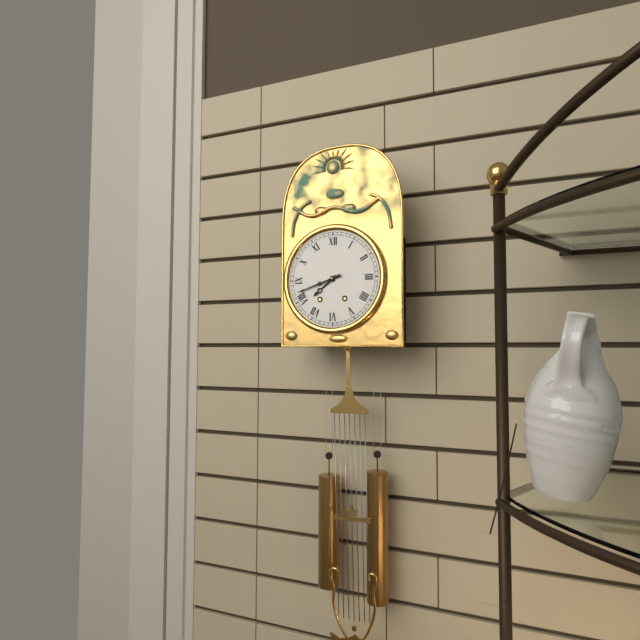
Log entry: {"hour": 7, "minute": 42}
